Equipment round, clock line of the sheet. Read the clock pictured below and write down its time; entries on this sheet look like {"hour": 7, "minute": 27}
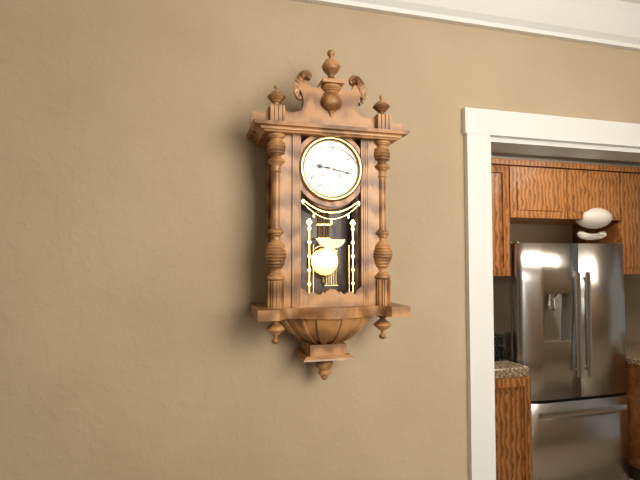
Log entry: {"hour": 9, "minute": 17}
